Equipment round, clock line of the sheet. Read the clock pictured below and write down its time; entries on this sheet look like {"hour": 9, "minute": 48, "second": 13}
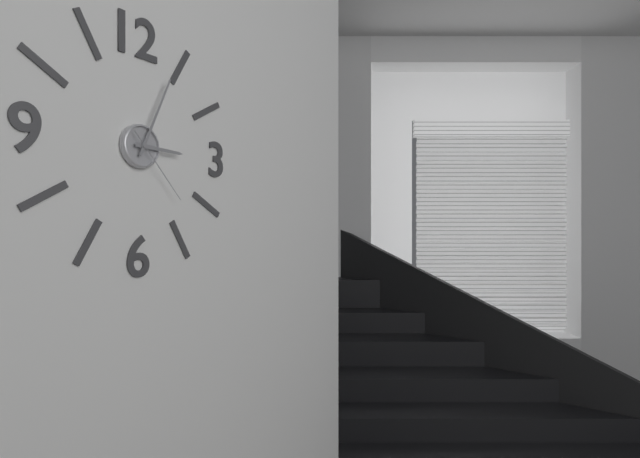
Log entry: {"hour": 3, "minute": 4, "second": 23}
